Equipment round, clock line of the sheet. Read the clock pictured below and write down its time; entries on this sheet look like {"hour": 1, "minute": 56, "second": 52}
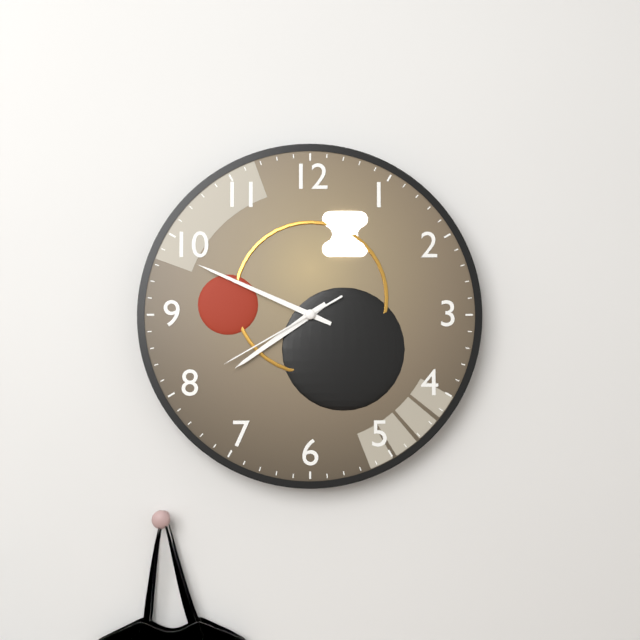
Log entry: {"hour": 7, "minute": 49, "second": 40}
